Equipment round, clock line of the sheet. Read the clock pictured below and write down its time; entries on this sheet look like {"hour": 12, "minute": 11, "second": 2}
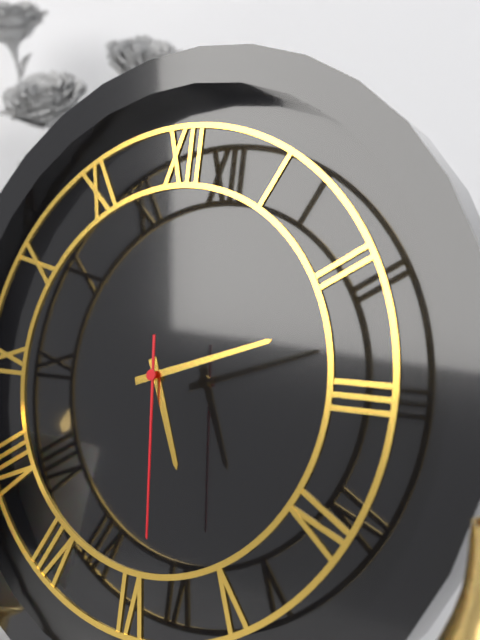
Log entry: {"hour": 5, "minute": 12, "second": 29}
